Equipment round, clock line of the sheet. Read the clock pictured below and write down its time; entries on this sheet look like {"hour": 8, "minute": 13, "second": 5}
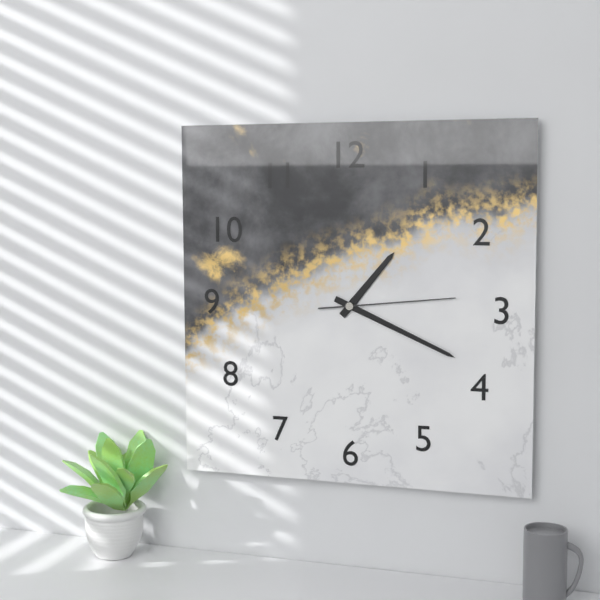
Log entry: {"hour": 1, "minute": 19, "second": 14}
